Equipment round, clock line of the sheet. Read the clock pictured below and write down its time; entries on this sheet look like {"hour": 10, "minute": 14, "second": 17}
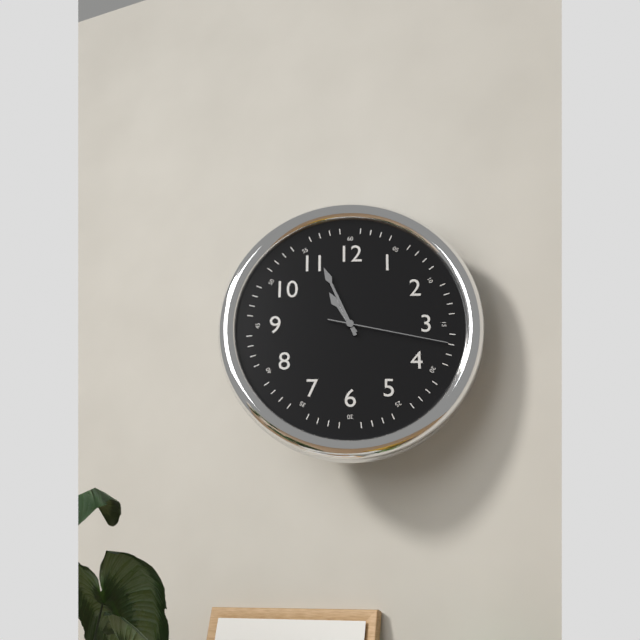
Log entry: {"hour": 10, "minute": 56, "second": 17}
